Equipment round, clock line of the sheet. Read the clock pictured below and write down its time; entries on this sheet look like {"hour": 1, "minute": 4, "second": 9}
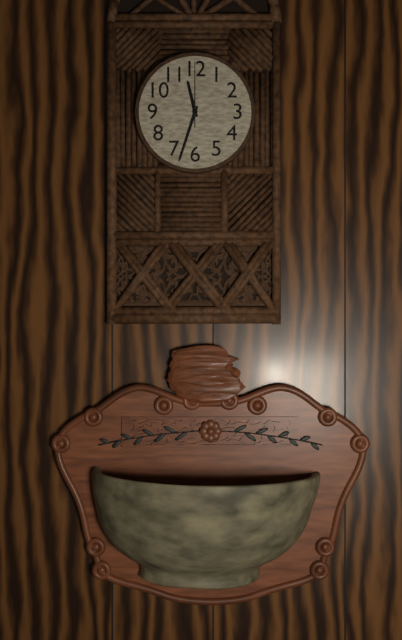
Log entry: {"hour": 11, "minute": 33, "second": 0}
